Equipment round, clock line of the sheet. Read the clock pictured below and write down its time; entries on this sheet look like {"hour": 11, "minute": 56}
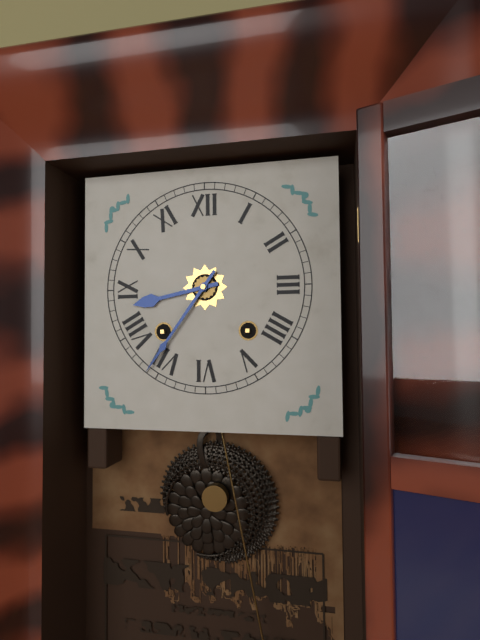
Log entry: {"hour": 8, "minute": 36}
